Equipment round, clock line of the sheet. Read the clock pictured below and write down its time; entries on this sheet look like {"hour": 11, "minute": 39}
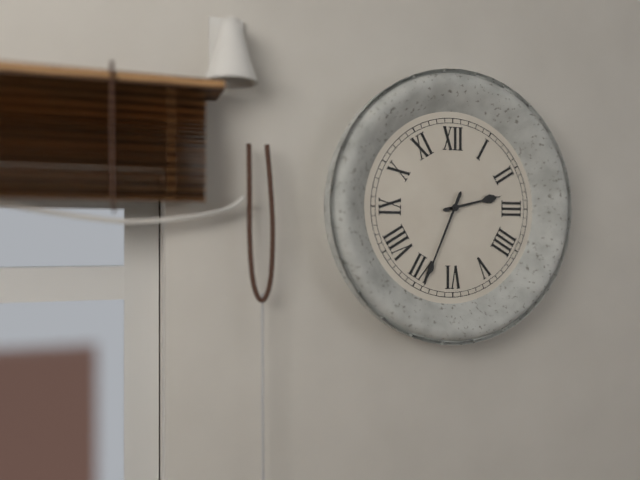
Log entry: {"hour": 2, "minute": 34}
